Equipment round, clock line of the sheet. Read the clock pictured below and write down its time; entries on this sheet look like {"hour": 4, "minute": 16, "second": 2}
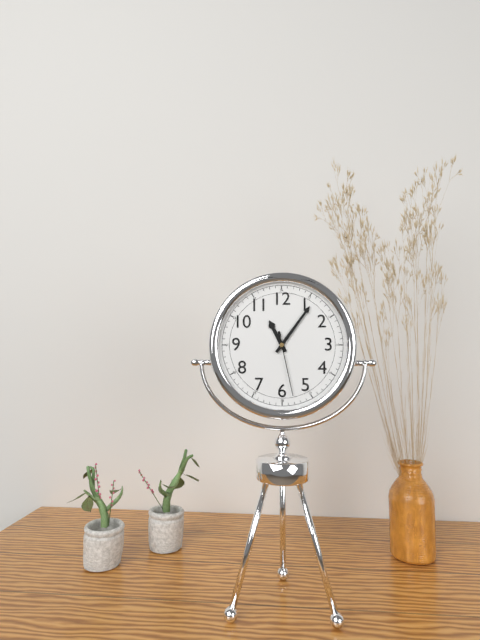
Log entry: {"hour": 11, "minute": 6, "second": 28}
